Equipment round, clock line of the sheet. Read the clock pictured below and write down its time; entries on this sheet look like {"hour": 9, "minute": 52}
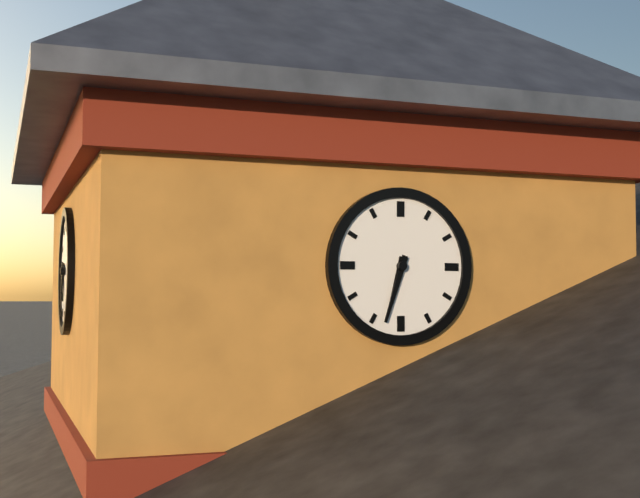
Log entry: {"hour": 6, "minute": 33}
